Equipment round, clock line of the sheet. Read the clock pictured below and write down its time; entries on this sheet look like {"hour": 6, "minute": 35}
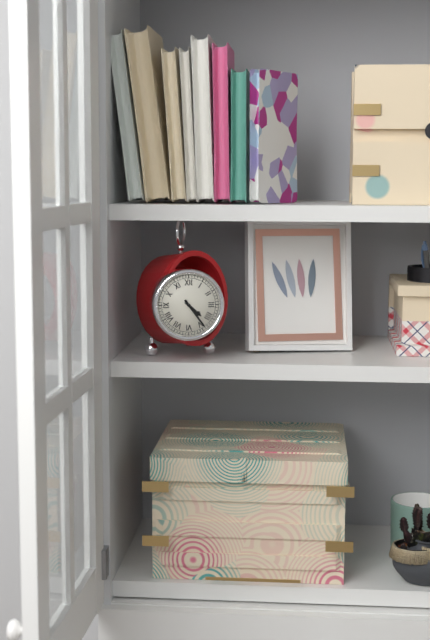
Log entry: {"hour": 4, "minute": 24}
